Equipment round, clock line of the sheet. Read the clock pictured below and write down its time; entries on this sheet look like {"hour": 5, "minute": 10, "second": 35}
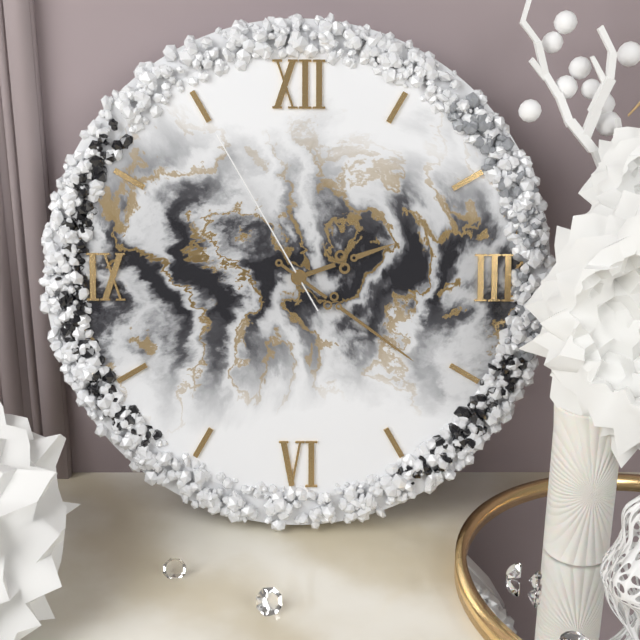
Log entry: {"hour": 2, "minute": 21, "second": 55}
